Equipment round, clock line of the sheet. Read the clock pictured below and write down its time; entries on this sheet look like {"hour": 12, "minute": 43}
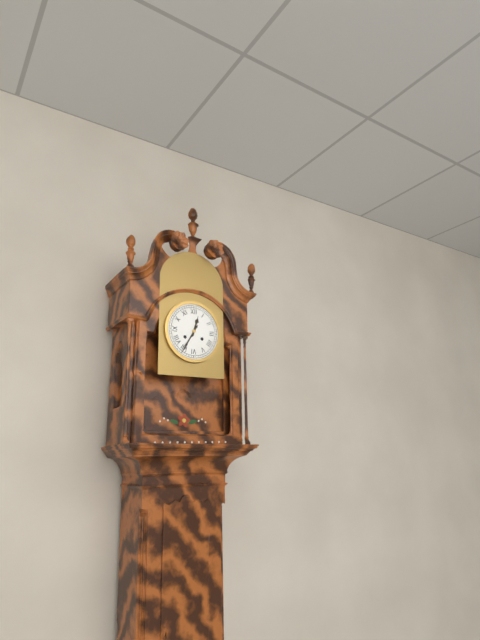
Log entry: {"hour": 12, "minute": 35}
